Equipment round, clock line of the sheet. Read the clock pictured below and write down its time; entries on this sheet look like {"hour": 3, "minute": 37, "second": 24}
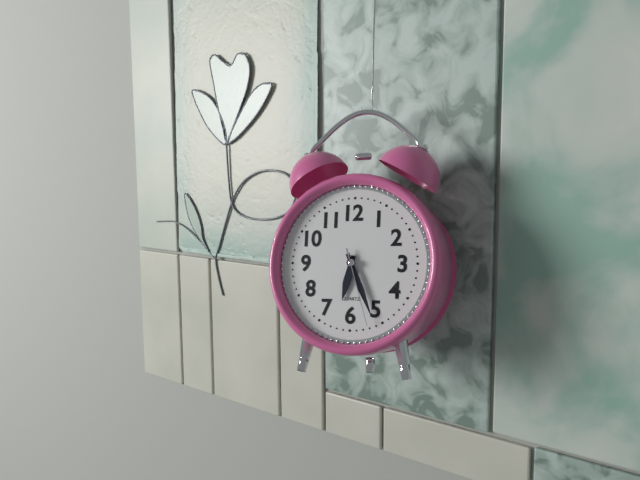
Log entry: {"hour": 6, "minute": 26, "second": 27}
